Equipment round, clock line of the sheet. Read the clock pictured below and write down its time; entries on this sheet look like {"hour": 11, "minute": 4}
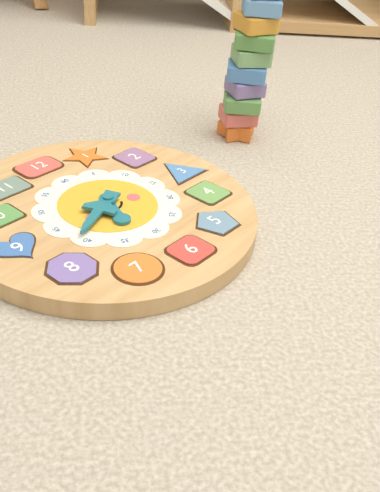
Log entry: {"hour": 6, "minute": 41}
